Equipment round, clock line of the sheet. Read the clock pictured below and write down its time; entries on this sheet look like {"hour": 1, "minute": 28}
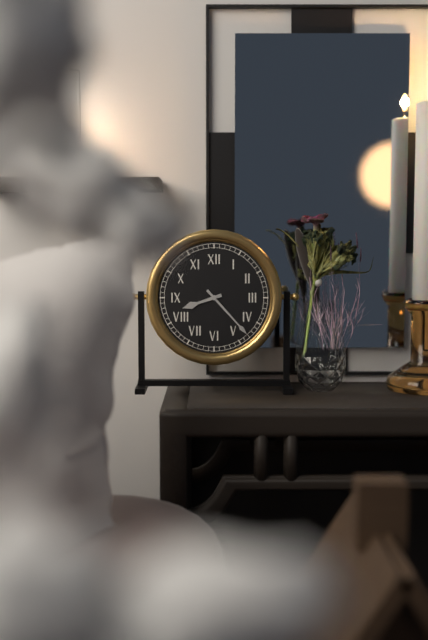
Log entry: {"hour": 8, "minute": 23}
